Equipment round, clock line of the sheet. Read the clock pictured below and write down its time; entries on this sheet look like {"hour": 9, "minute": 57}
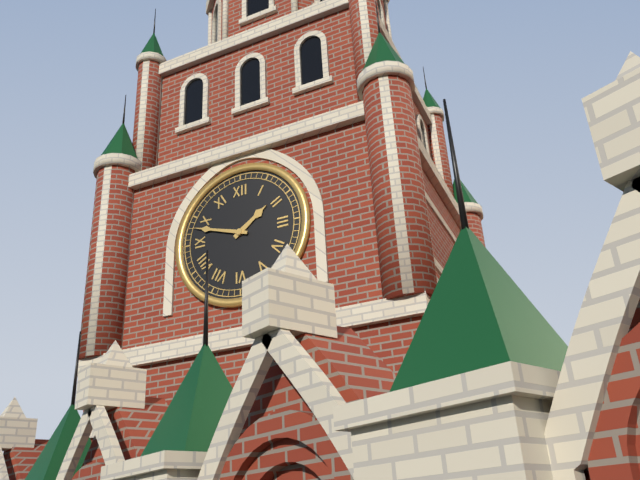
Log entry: {"hour": 1, "minute": 48}
